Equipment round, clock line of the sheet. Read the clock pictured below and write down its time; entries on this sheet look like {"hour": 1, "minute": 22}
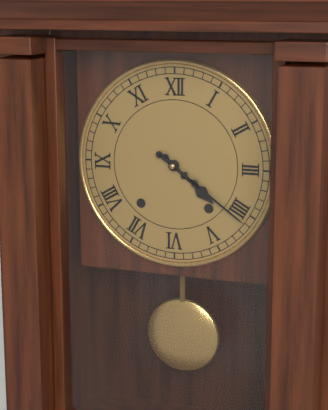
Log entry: {"hour": 4, "minute": 21}
